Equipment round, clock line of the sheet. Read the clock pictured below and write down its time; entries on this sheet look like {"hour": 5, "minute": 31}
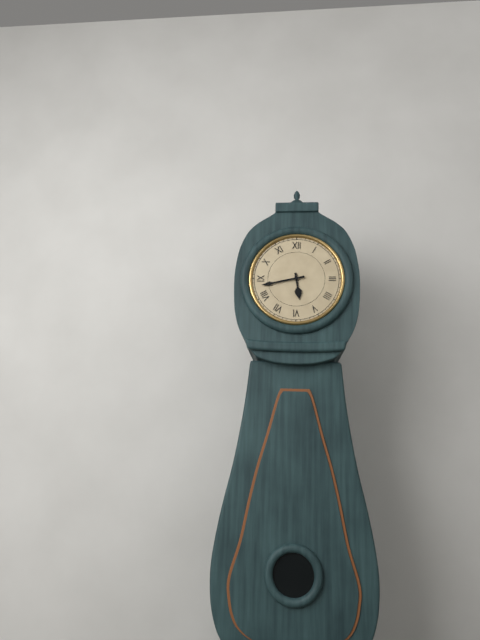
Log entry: {"hour": 5, "minute": 43}
